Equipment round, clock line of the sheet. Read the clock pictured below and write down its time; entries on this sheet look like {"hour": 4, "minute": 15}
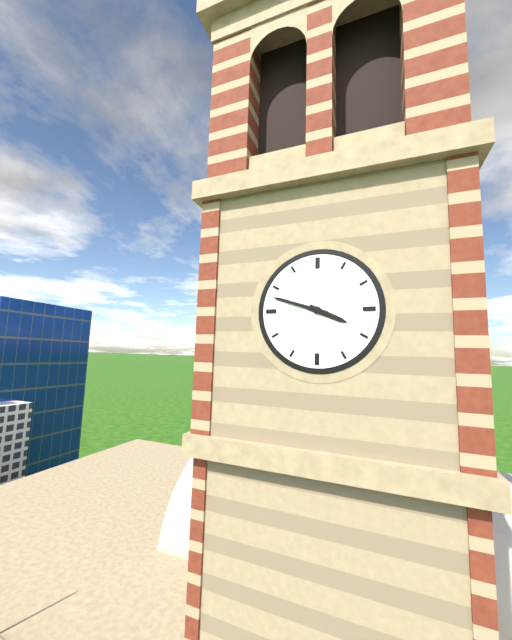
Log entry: {"hour": 3, "minute": 48}
